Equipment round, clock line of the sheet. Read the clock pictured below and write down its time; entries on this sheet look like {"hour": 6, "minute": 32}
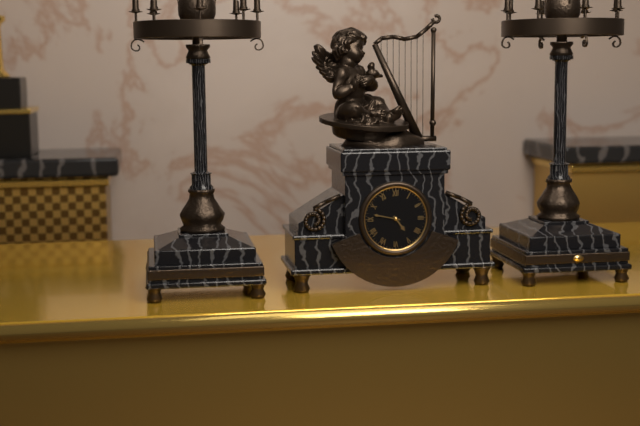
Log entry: {"hour": 4, "minute": 47}
